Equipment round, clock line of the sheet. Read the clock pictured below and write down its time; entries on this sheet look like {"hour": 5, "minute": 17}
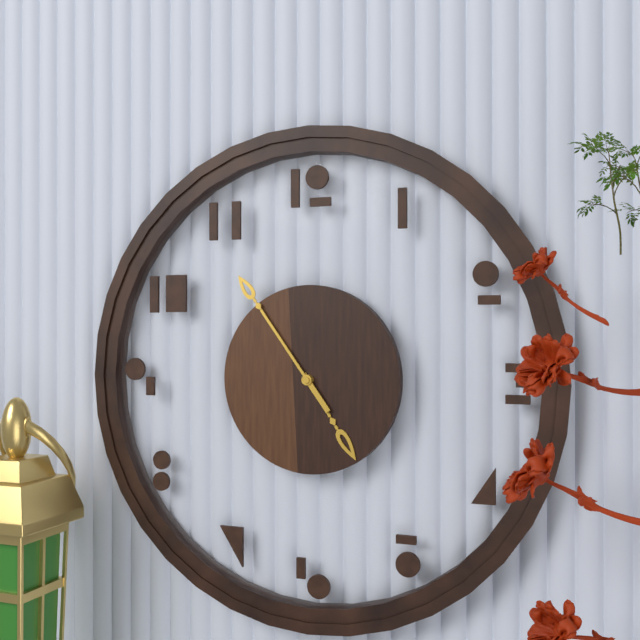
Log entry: {"hour": 4, "minute": 54}
